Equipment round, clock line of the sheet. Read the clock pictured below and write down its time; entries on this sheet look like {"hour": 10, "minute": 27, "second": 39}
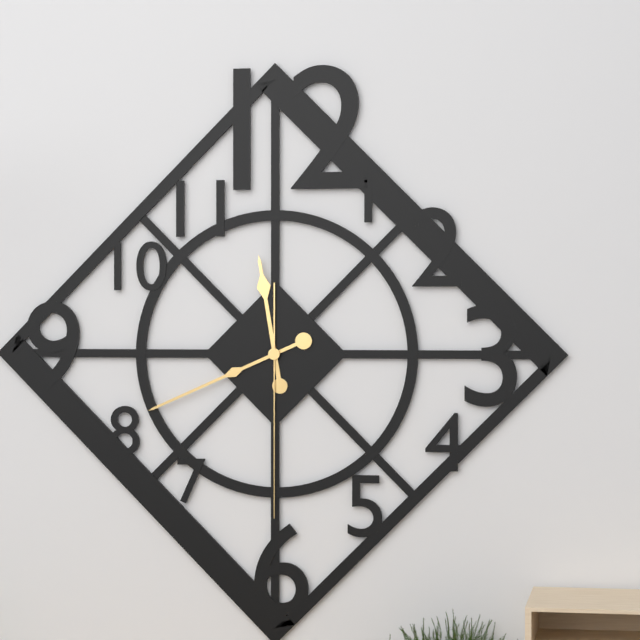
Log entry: {"hour": 11, "minute": 41, "second": 30}
